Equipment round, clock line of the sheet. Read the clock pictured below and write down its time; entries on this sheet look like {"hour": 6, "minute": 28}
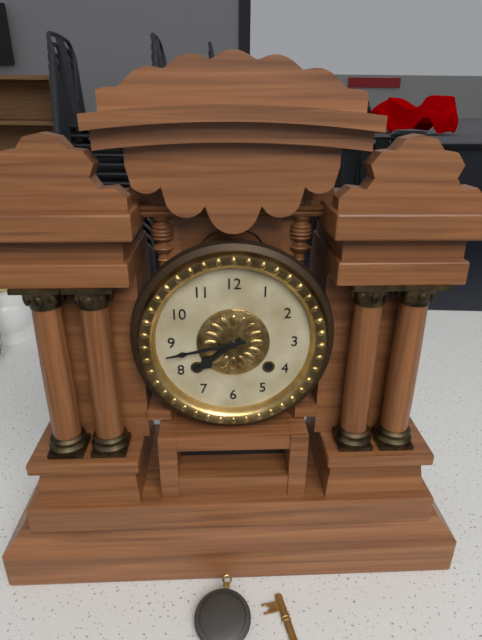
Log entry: {"hour": 7, "minute": 43}
